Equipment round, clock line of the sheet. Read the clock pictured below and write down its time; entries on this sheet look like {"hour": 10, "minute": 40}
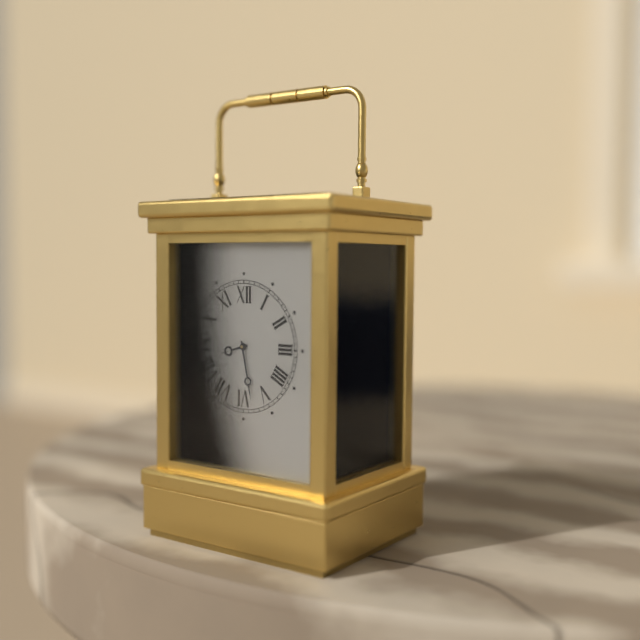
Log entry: {"hour": 8, "minute": 28}
